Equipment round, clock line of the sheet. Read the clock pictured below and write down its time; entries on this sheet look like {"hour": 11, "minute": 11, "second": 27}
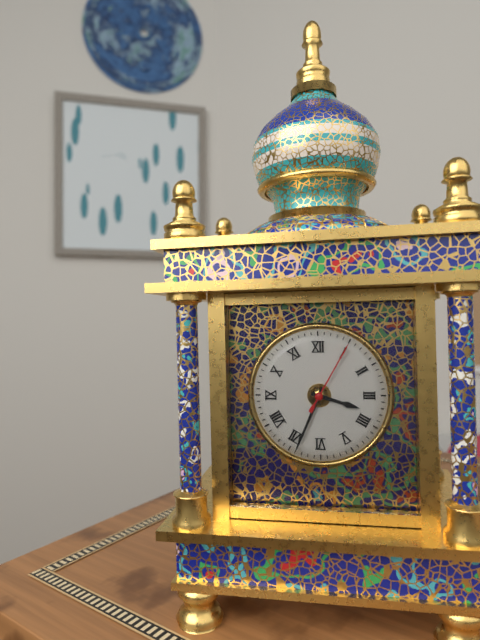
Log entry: {"hour": 3, "minute": 34, "second": 5}
